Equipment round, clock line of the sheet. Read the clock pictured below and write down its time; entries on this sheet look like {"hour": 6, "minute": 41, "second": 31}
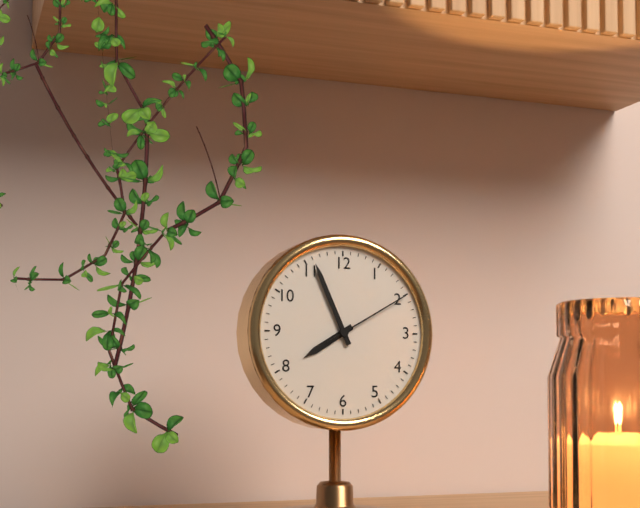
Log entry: {"hour": 7, "minute": 56, "second": 10}
